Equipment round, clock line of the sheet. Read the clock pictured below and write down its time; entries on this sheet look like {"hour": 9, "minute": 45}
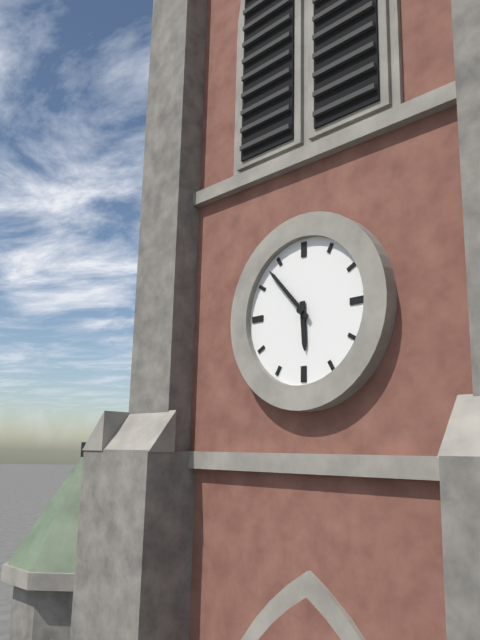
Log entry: {"hour": 5, "minute": 53}
